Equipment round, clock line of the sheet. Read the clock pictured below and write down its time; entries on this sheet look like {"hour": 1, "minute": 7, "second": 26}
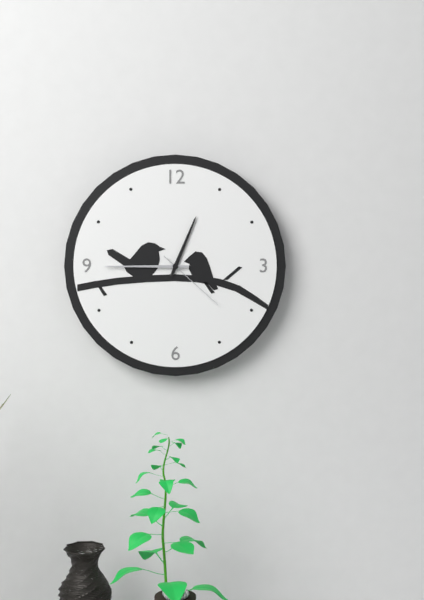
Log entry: {"hour": 12, "minute": 45, "second": 22}
